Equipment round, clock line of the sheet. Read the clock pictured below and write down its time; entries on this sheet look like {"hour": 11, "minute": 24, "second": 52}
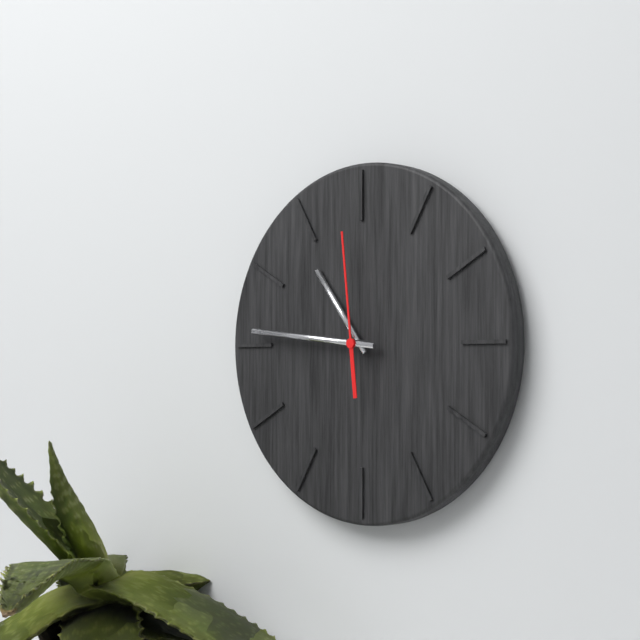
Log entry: {"hour": 10, "minute": 46, "second": 59}
